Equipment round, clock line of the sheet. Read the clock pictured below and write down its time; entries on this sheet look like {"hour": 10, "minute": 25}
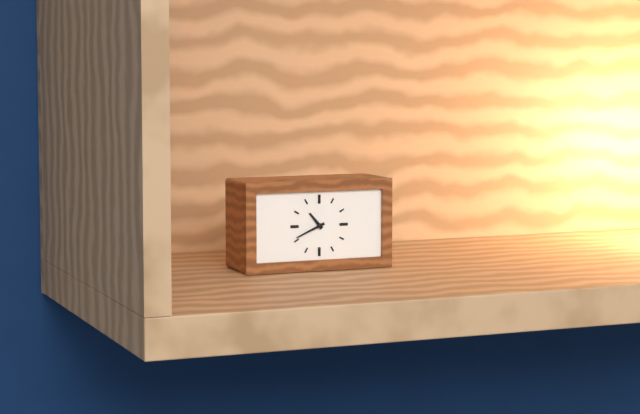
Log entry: {"hour": 10, "minute": 41}
